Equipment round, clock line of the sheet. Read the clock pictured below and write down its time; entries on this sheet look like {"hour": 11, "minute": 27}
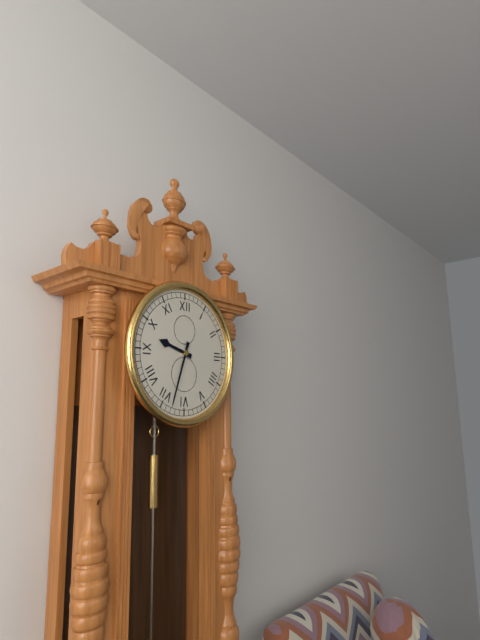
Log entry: {"hour": 9, "minute": 33}
